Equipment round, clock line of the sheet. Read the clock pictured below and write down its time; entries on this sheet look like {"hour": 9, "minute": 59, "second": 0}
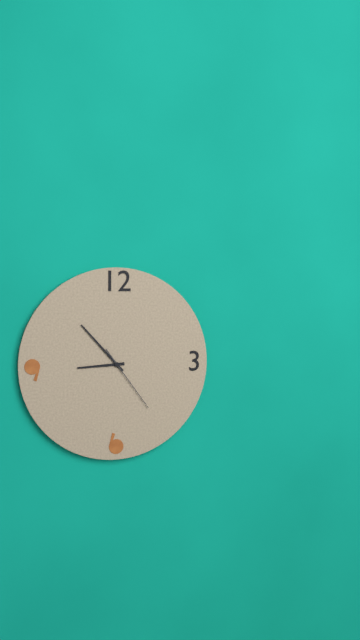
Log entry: {"hour": 8, "minute": 53, "second": 24}
